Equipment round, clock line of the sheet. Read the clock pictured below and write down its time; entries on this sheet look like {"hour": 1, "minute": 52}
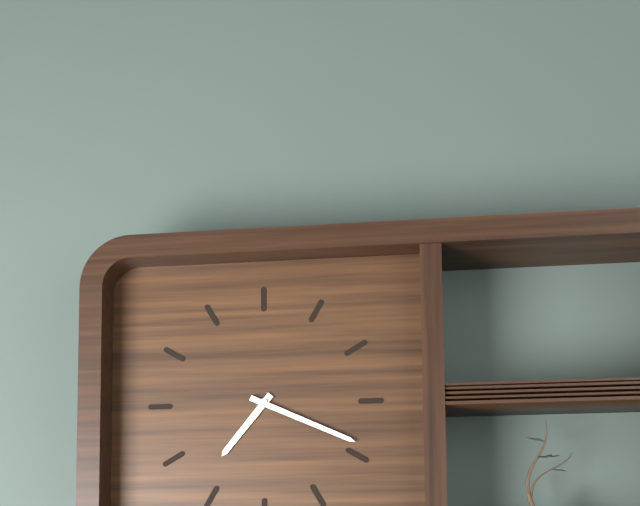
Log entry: {"hour": 7, "minute": 19}
